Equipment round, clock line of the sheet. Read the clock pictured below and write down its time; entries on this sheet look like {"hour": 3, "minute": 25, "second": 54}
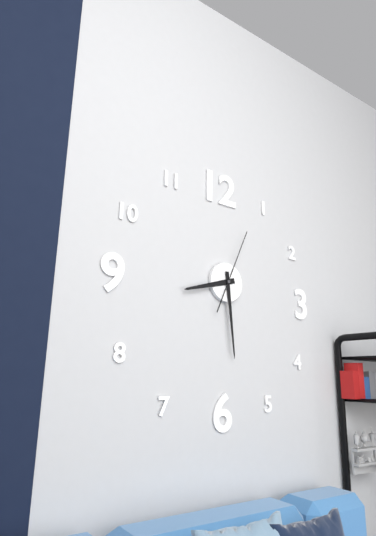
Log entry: {"hour": 8, "minute": 29, "second": 4}
